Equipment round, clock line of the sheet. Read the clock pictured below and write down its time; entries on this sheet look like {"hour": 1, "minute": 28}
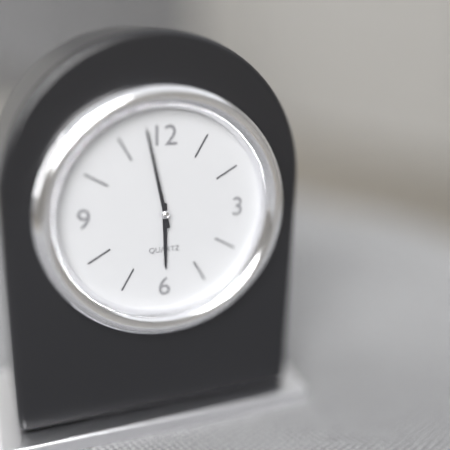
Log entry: {"hour": 5, "minute": 58}
